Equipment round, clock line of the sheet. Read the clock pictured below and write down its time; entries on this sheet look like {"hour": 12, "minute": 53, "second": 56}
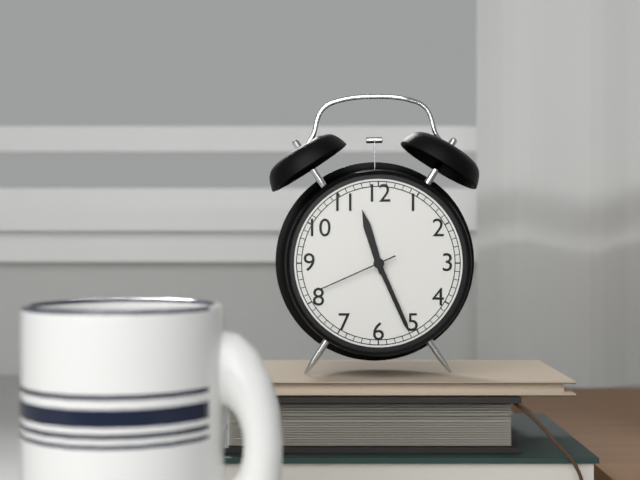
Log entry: {"hour": 11, "minute": 26, "second": 41}
